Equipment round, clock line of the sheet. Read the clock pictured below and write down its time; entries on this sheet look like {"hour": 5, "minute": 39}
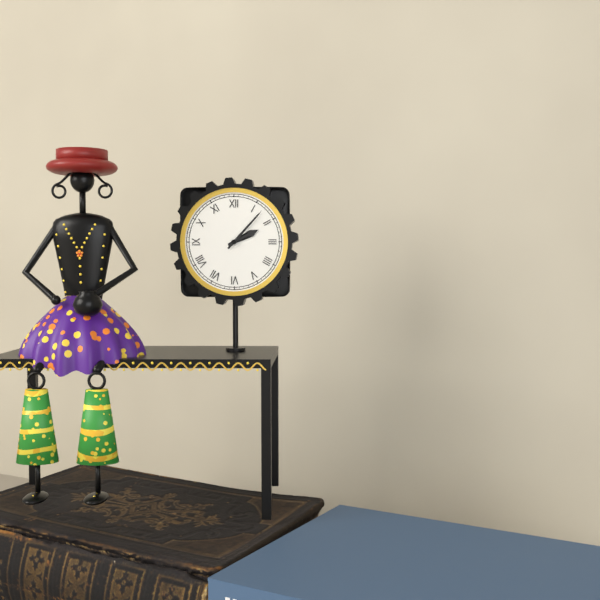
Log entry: {"hour": 2, "minute": 7}
